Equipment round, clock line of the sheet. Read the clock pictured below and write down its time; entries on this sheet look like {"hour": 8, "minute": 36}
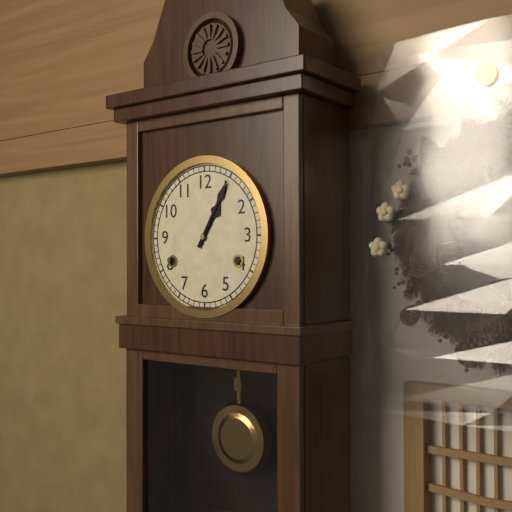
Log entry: {"hour": 1, "minute": 5}
